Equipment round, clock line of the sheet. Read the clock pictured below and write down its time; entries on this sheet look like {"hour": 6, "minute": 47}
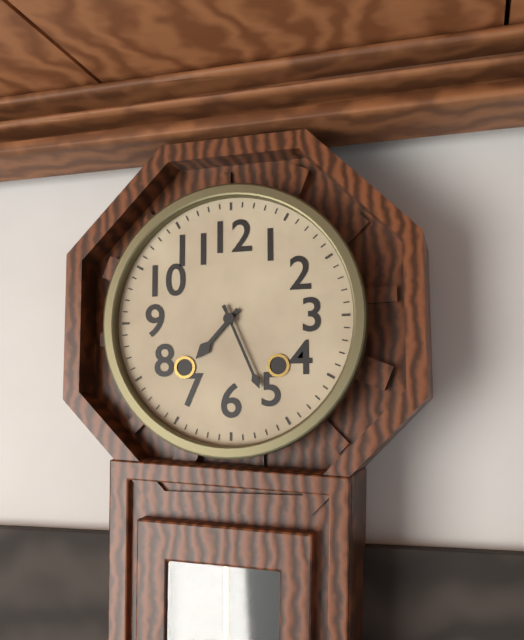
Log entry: {"hour": 7, "minute": 26}
